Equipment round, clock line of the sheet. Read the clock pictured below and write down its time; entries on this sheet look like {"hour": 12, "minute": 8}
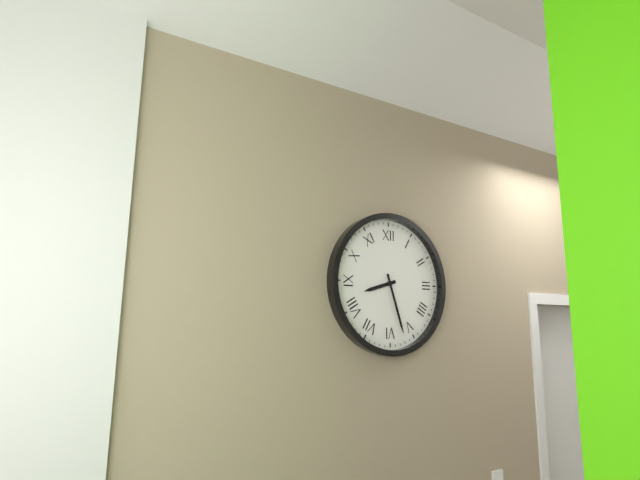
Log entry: {"hour": 8, "minute": 27}
